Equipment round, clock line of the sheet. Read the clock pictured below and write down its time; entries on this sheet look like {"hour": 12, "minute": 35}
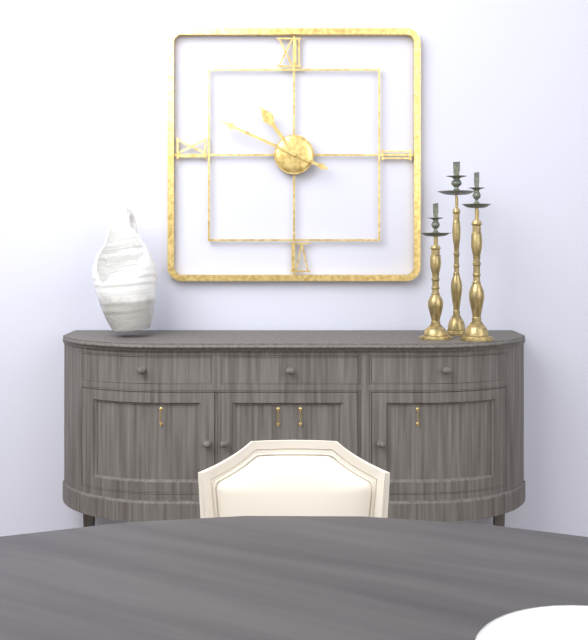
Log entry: {"hour": 10, "minute": 49}
